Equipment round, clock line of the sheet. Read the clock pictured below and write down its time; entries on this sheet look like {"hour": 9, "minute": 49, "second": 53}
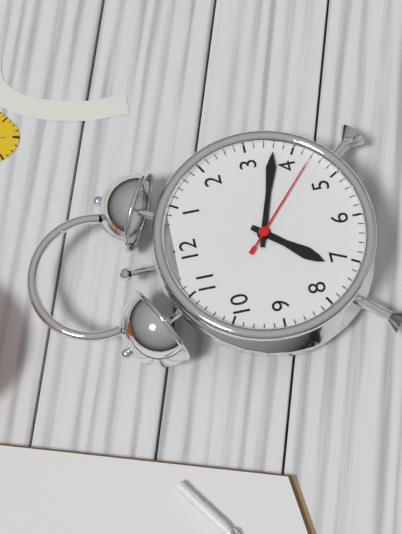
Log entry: {"hour": 7, "minute": 18, "second": 22}
